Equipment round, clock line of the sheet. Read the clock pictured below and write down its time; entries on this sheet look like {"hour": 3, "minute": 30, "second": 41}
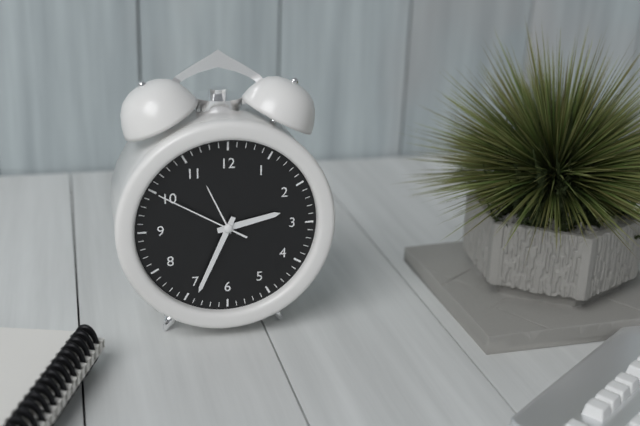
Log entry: {"hour": 2, "minute": 34, "second": 50}
